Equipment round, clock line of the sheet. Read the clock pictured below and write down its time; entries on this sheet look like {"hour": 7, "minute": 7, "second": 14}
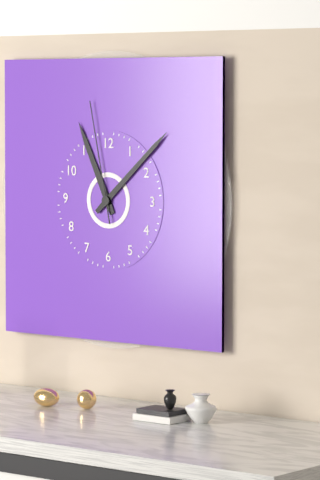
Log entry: {"hour": 11, "minute": 8, "second": 58}
